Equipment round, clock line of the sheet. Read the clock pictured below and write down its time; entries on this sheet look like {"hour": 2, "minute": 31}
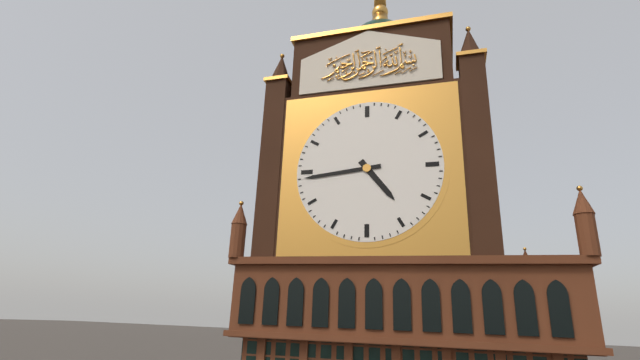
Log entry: {"hour": 4, "minute": 44}
